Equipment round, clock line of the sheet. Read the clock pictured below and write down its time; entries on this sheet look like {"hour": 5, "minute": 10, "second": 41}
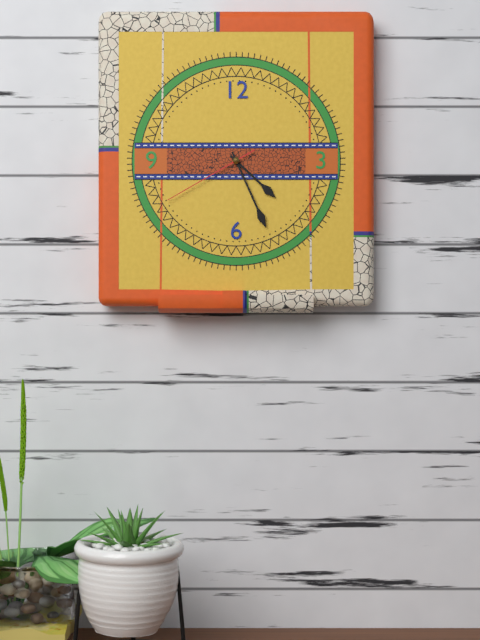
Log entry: {"hour": 4, "minute": 26, "second": 40}
